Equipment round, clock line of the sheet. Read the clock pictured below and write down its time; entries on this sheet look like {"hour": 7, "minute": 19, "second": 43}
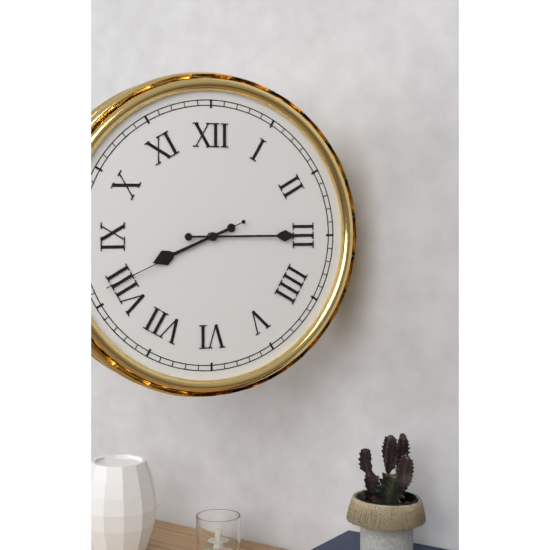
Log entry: {"hour": 8, "minute": 15, "second": 41}
